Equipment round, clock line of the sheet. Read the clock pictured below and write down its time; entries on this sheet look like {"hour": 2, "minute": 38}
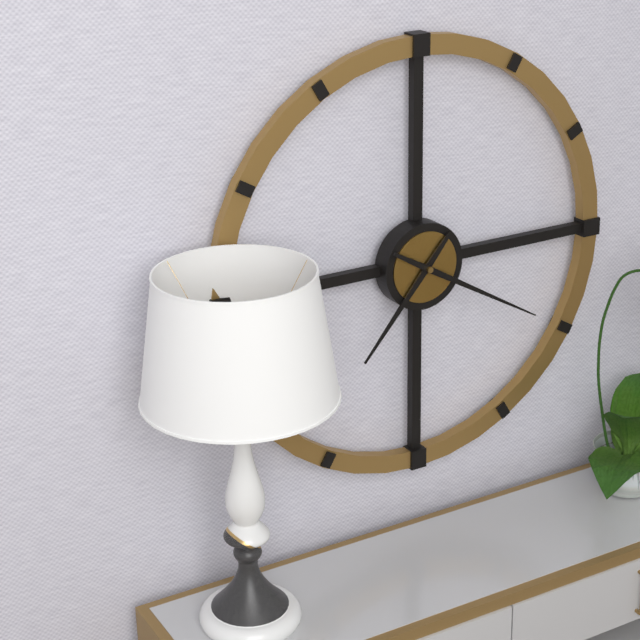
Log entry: {"hour": 7, "minute": 20}
